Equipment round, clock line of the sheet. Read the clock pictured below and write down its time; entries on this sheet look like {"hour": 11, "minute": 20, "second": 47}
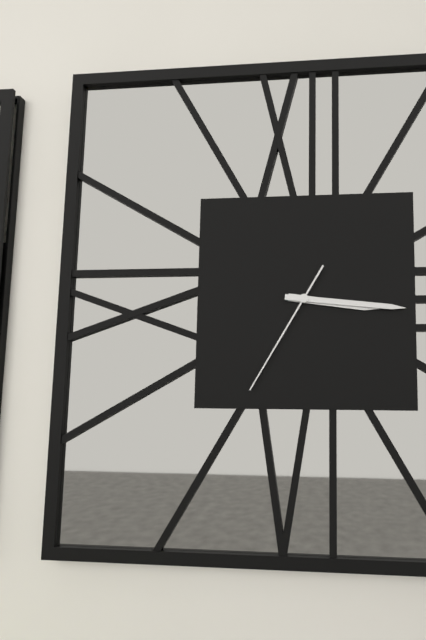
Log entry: {"hour": 3, "minute": 16, "second": 35}
